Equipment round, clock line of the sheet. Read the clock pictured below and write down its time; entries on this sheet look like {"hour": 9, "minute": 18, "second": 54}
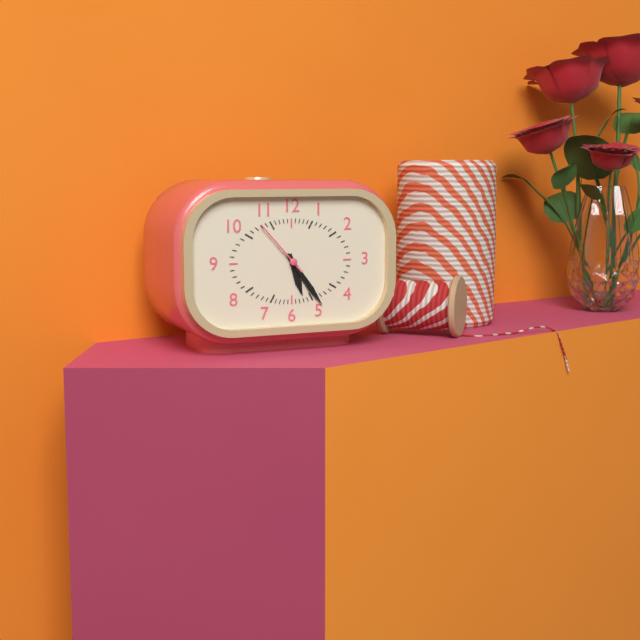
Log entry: {"hour": 5, "minute": 24, "second": 53}
